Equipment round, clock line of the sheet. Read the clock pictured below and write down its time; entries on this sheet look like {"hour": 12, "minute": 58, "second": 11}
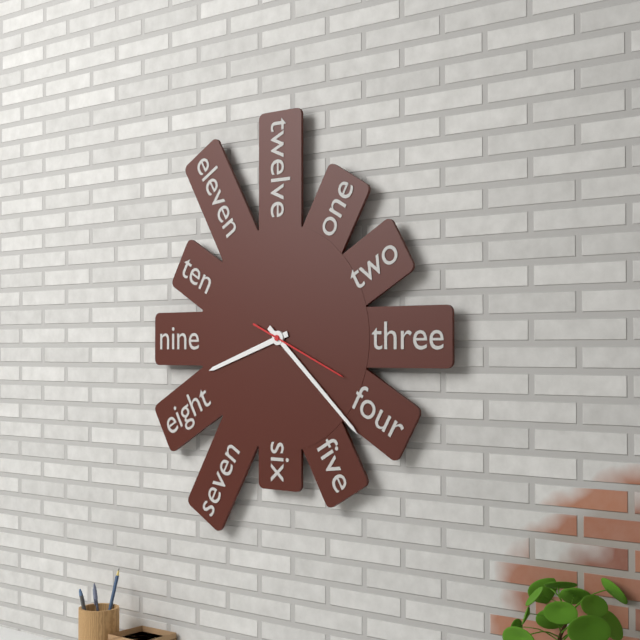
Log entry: {"hour": 8, "minute": 22, "second": 19}
